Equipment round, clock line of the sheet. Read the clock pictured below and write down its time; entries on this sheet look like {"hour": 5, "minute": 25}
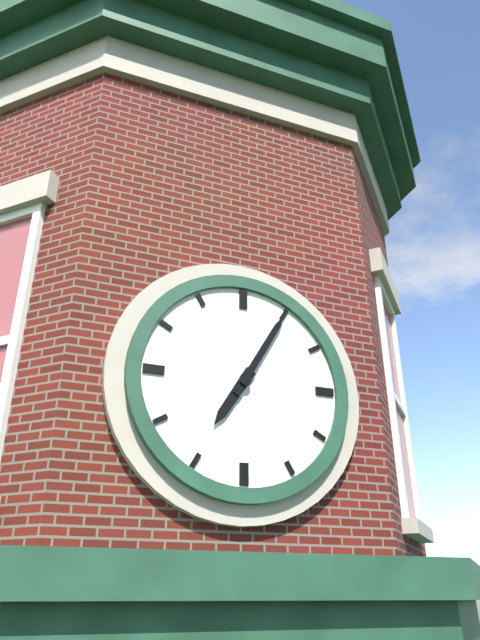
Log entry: {"hour": 7, "minute": 5}
